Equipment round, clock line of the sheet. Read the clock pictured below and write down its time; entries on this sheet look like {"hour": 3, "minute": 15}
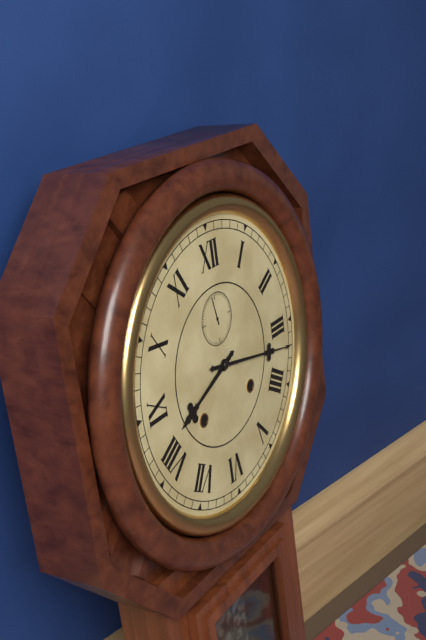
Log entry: {"hour": 8, "minute": 17}
